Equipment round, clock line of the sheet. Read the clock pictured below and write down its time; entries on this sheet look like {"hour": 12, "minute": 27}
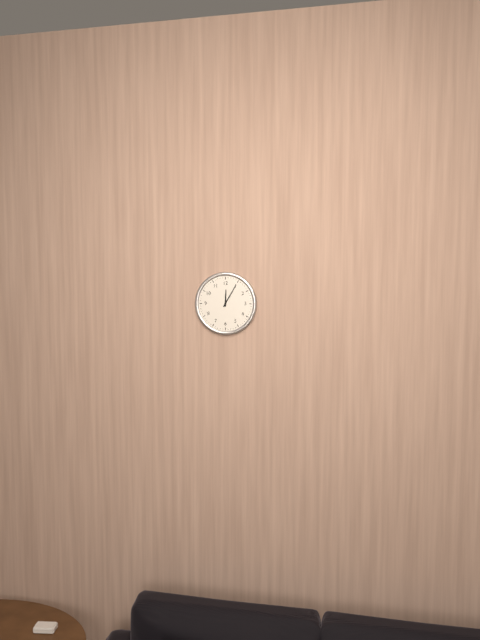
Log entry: {"hour": 12, "minute": 5}
